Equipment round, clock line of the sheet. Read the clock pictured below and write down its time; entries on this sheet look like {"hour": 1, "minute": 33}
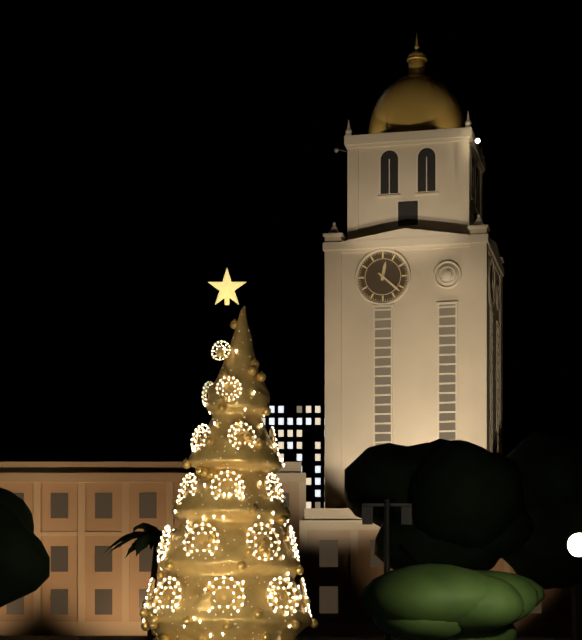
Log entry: {"hour": 12, "minute": 22}
